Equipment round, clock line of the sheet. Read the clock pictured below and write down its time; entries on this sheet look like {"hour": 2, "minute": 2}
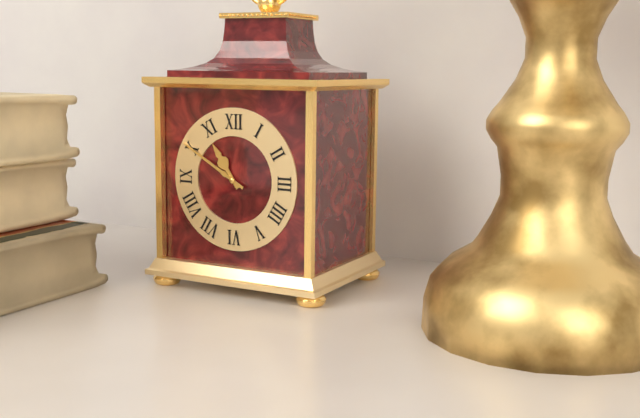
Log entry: {"hour": 10, "minute": 50}
